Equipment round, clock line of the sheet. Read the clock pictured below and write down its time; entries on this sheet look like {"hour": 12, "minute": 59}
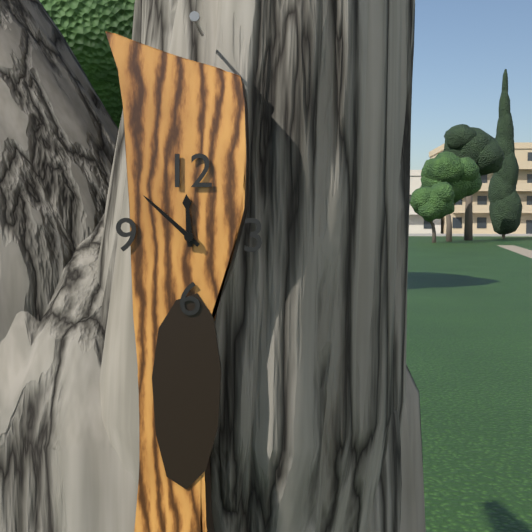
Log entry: {"hour": 11, "minute": 52}
